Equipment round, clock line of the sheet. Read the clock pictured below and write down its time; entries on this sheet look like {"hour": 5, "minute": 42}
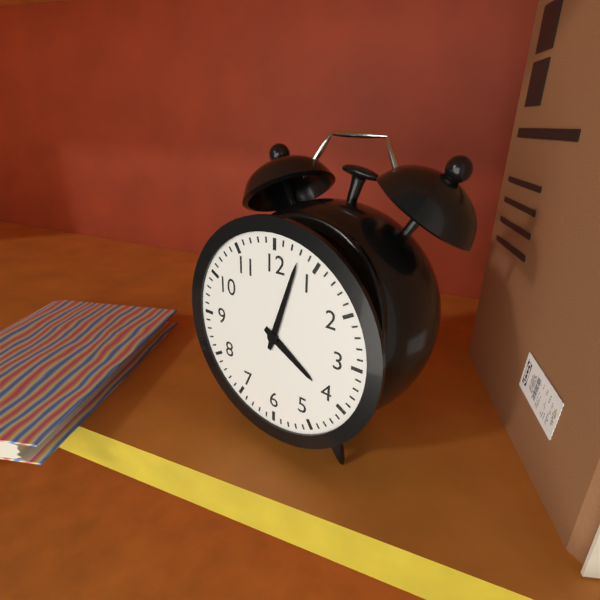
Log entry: {"hour": 4, "minute": 3}
